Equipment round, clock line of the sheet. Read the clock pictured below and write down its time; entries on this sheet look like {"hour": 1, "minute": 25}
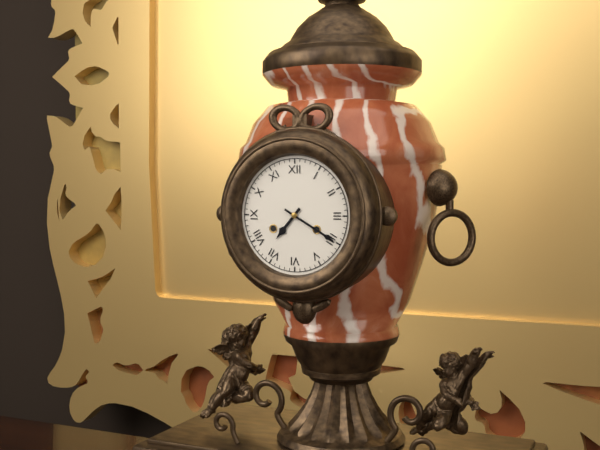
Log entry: {"hour": 7, "minute": 20}
